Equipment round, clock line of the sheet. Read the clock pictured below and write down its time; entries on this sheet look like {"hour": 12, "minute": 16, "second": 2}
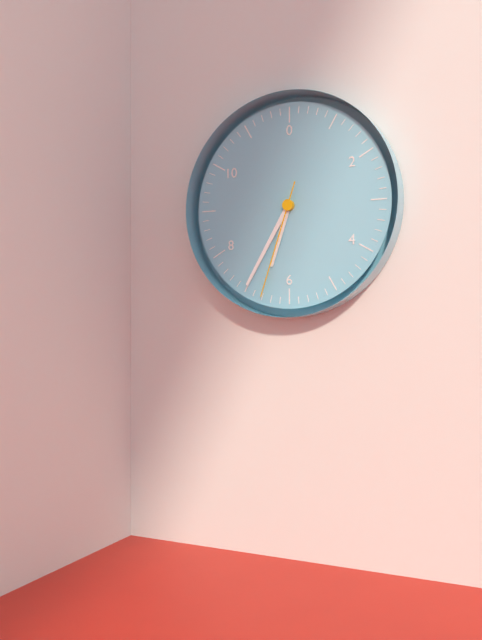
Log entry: {"hour": 6, "minute": 35, "second": 33}
